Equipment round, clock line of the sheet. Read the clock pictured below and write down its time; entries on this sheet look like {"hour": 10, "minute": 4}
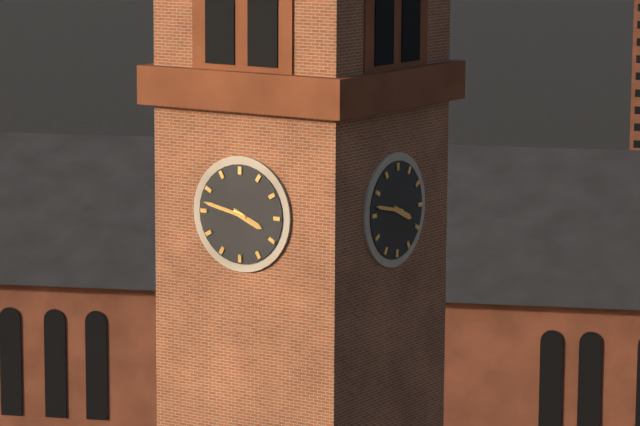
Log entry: {"hour": 3, "minute": 47}
